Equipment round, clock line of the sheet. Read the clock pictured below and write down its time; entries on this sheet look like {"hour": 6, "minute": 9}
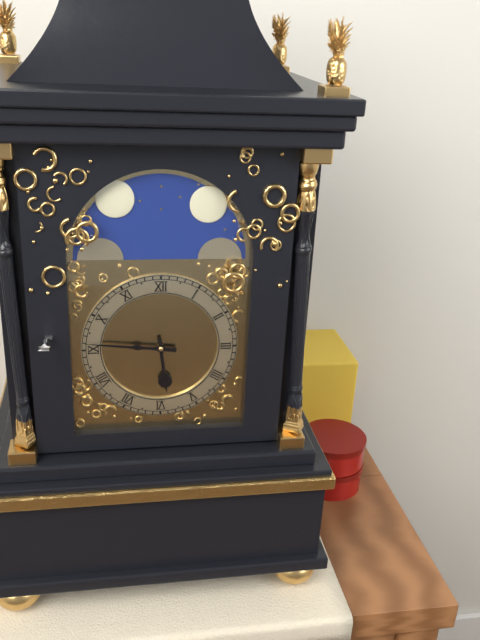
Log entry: {"hour": 5, "minute": 46}
